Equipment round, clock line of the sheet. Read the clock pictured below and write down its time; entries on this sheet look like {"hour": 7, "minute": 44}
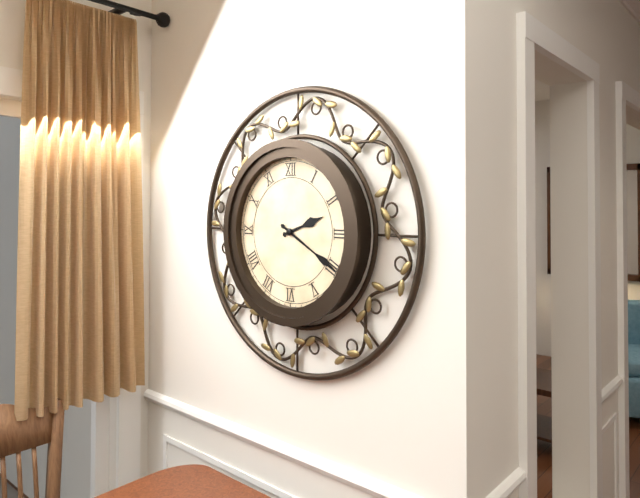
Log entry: {"hour": 2, "minute": 20}
